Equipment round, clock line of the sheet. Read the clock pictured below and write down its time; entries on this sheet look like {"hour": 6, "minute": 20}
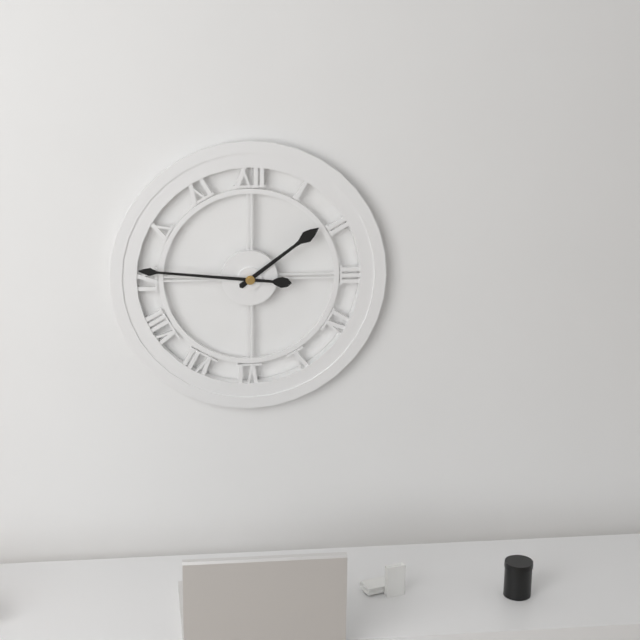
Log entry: {"hour": 1, "minute": 46}
